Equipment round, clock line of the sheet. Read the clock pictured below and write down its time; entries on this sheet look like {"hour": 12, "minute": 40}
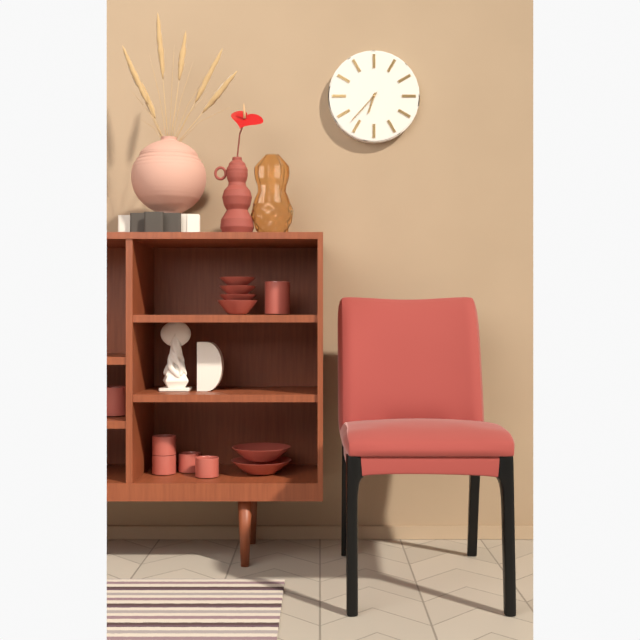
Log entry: {"hour": 6, "minute": 37}
